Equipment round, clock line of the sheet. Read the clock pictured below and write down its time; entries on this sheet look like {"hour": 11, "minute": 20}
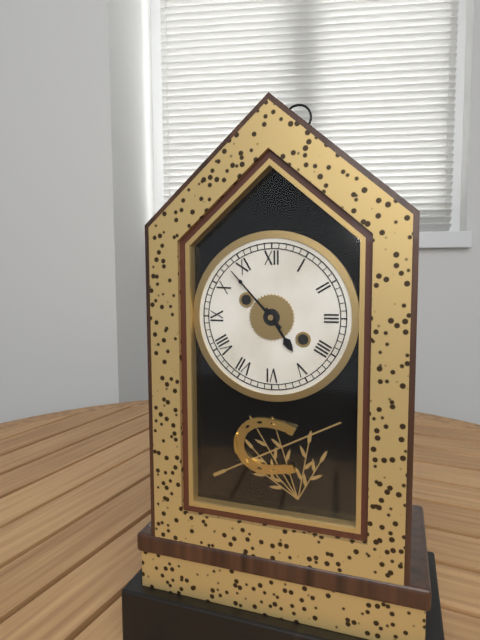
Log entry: {"hour": 4, "minute": 53}
